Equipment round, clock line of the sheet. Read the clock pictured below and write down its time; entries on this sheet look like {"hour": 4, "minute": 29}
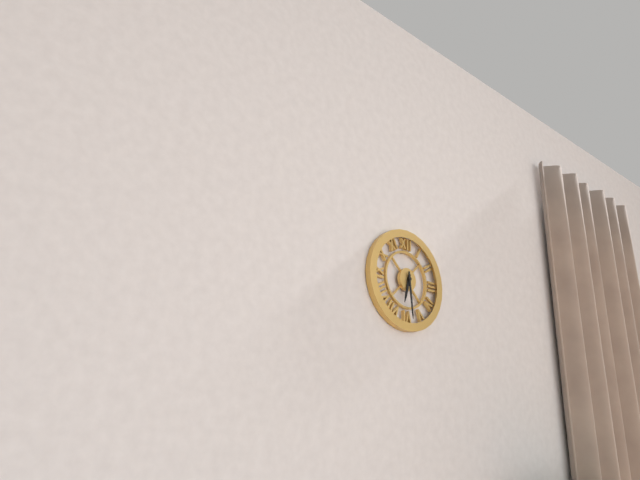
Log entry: {"hour": 6, "minute": 29}
